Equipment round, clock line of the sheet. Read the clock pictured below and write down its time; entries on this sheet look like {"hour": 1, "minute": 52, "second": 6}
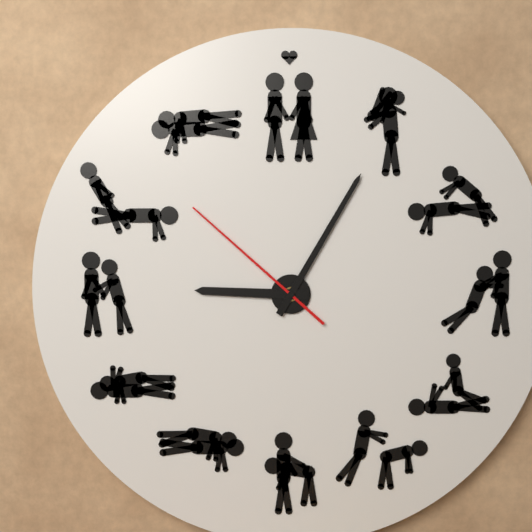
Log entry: {"hour": 9, "minute": 5, "second": 52}
